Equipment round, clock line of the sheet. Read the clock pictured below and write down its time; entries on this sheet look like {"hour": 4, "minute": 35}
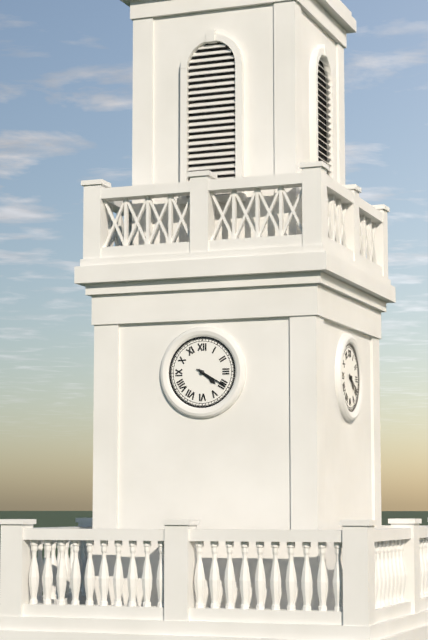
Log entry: {"hour": 4, "minute": 20}
